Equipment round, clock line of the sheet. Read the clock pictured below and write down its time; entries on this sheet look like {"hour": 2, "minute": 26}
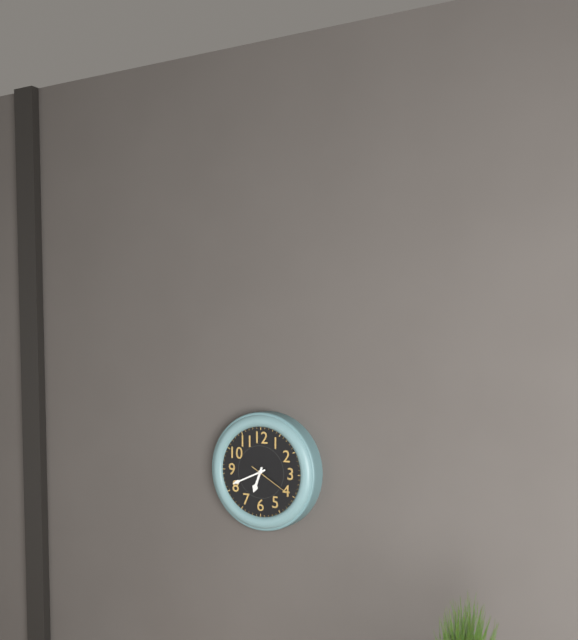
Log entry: {"hour": 6, "minute": 41}
